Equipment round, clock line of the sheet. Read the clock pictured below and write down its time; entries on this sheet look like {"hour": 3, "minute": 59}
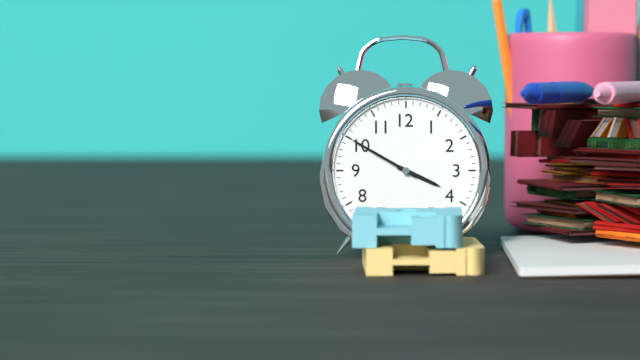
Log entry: {"hour": 3, "minute": 50}
